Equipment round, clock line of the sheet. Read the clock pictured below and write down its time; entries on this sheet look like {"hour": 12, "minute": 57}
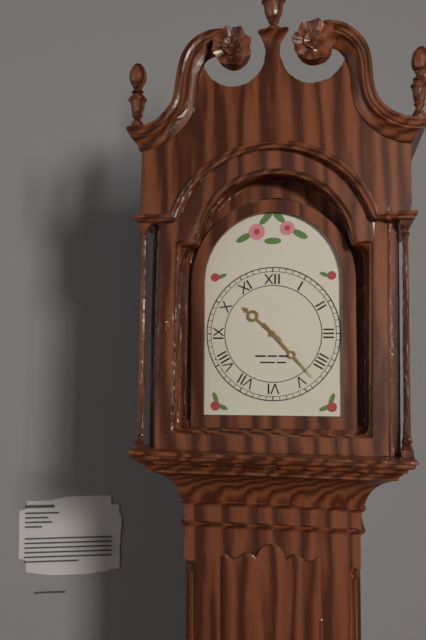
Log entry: {"hour": 10, "minute": 23}
